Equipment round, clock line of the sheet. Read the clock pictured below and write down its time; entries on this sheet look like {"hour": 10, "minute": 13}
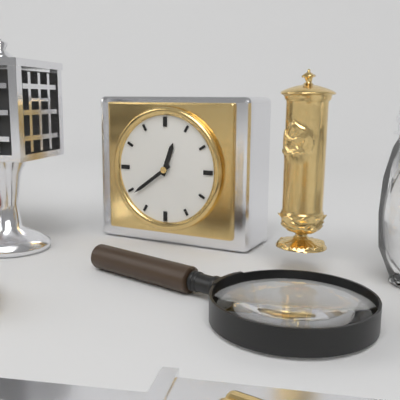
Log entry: {"hour": 12, "minute": 39}
